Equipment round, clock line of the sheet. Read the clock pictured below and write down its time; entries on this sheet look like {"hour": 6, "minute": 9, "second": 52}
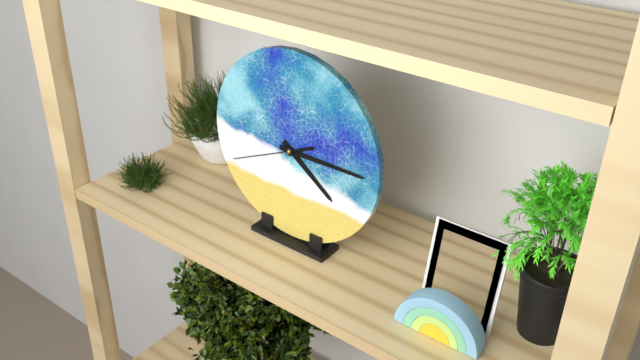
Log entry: {"hour": 4, "minute": 15, "second": 41}
